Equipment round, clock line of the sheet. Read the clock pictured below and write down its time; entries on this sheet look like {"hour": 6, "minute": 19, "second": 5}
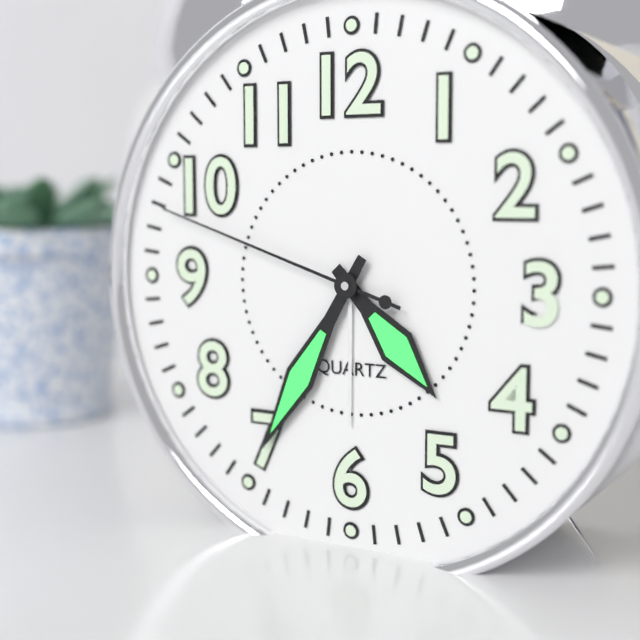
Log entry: {"hour": 4, "minute": 35, "second": 48}
